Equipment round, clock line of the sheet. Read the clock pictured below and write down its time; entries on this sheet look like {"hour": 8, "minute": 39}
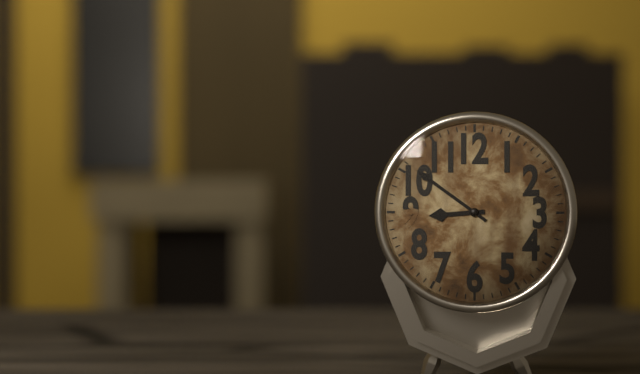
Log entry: {"hour": 8, "minute": 51}
